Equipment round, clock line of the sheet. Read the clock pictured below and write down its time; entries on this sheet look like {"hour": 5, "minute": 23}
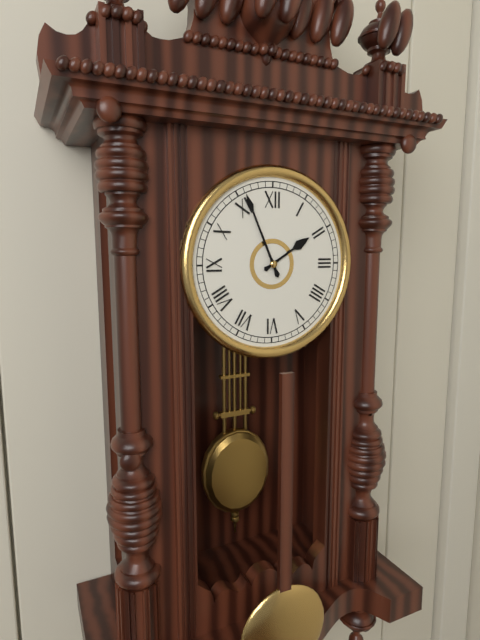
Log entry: {"hour": 1, "minute": 56}
